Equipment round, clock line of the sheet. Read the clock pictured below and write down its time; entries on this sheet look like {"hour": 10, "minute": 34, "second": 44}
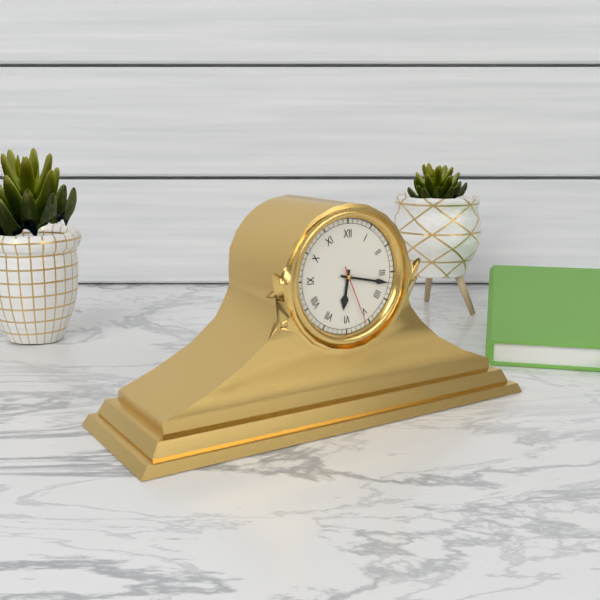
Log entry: {"hour": 6, "minute": 17, "second": 26}
